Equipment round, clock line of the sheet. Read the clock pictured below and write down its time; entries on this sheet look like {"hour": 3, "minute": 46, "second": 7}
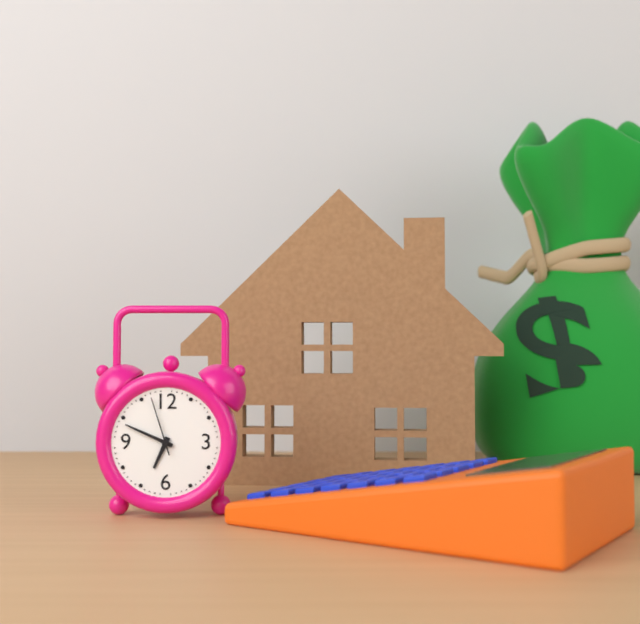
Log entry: {"hour": 6, "minute": 49, "second": 57}
